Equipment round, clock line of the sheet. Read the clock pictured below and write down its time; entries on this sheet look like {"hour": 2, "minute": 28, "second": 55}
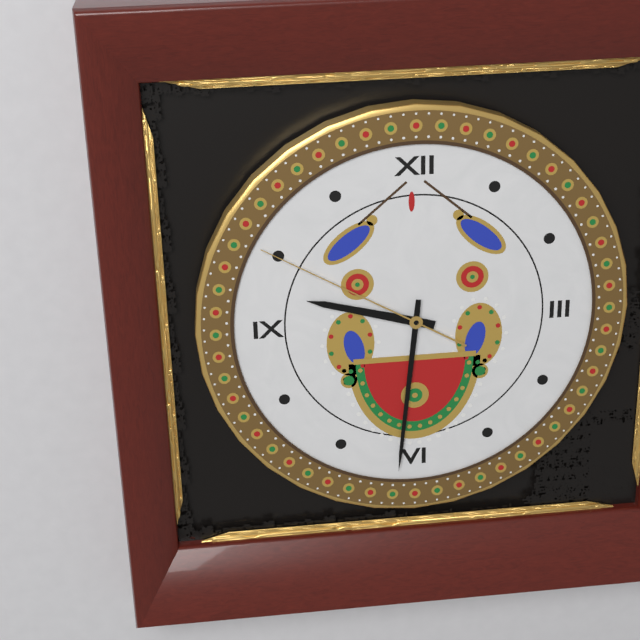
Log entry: {"hour": 9, "minute": 31, "second": 50}
